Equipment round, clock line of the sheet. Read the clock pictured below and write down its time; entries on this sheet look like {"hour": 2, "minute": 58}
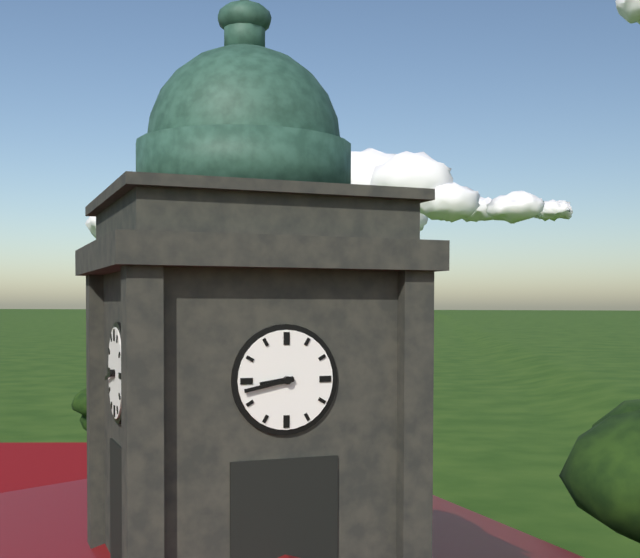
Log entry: {"hour": 8, "minute": 43}
